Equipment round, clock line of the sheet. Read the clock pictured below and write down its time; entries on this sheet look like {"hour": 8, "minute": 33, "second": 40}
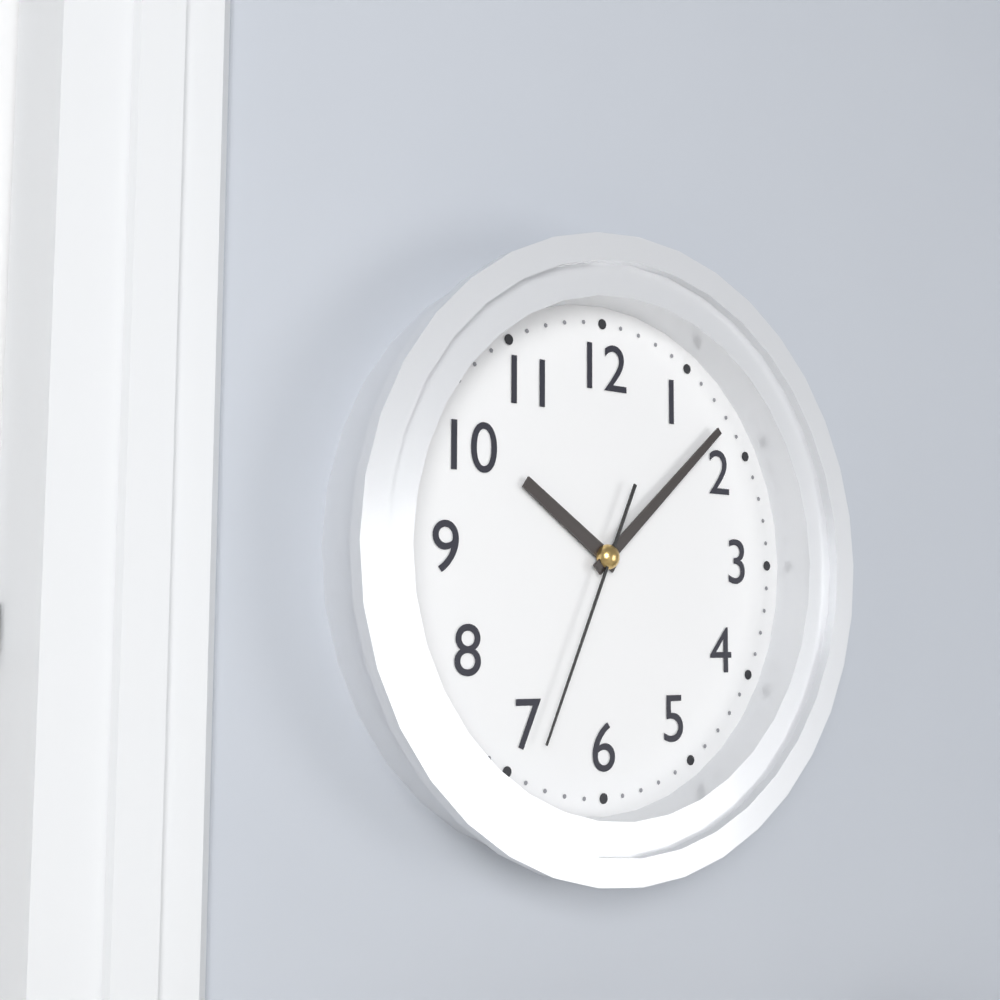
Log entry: {"hour": 10, "minute": 8, "second": 34}
